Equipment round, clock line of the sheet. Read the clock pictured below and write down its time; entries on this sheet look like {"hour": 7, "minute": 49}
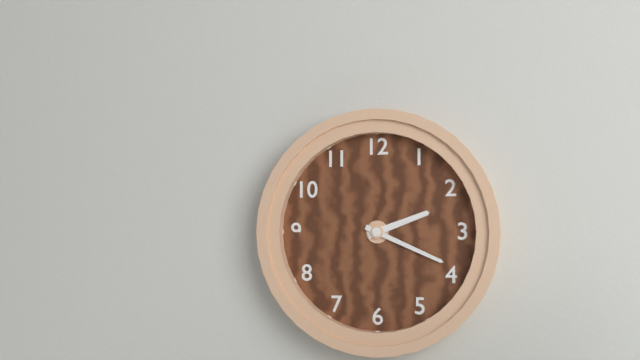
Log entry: {"hour": 2, "minute": 19}
